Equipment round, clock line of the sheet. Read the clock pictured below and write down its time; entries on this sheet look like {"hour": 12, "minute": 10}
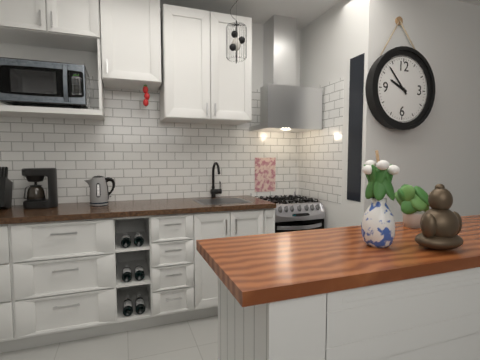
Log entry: {"hour": 9, "minute": 53}
